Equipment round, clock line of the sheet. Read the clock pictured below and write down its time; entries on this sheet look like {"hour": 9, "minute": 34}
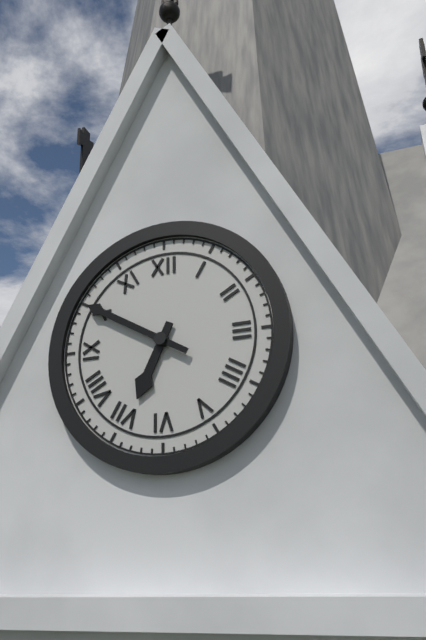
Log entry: {"hour": 6, "minute": 50}
